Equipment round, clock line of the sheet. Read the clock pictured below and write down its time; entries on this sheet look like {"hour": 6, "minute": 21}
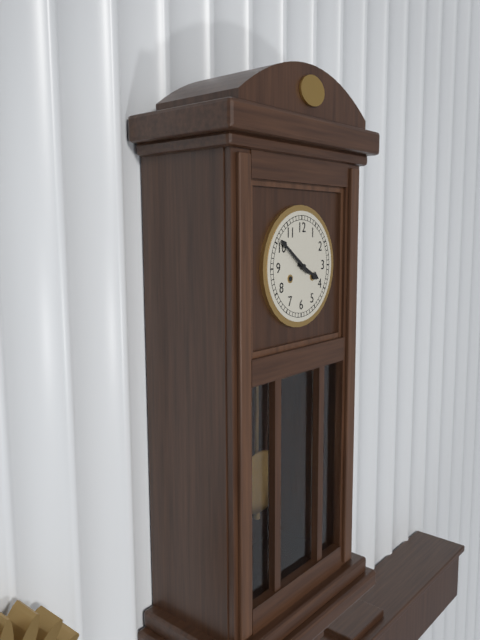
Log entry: {"hour": 3, "minute": 51}
